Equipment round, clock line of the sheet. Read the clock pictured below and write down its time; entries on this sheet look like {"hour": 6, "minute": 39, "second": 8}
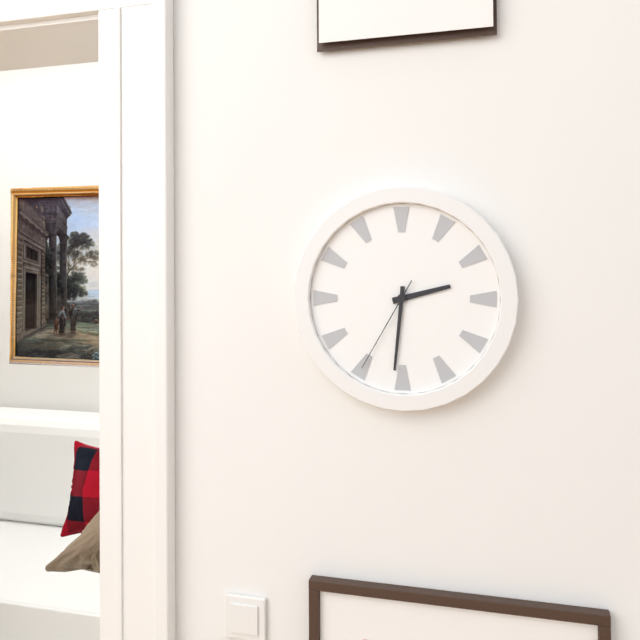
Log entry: {"hour": 2, "minute": 31, "second": 35}
